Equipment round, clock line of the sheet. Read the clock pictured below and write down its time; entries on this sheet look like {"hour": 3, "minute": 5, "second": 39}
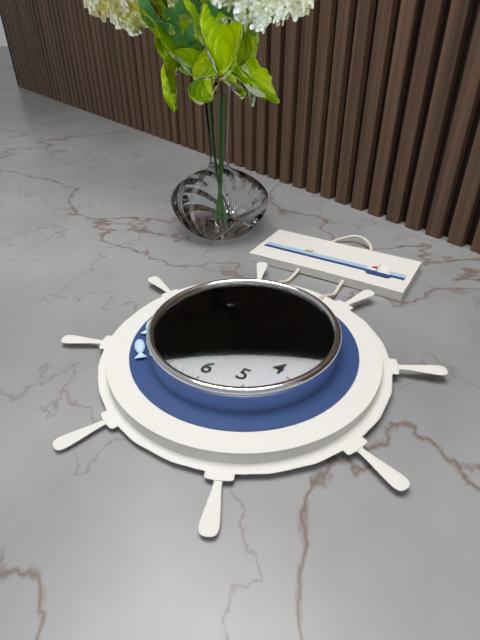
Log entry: {"hour": 1, "minute": 56, "second": 52}
